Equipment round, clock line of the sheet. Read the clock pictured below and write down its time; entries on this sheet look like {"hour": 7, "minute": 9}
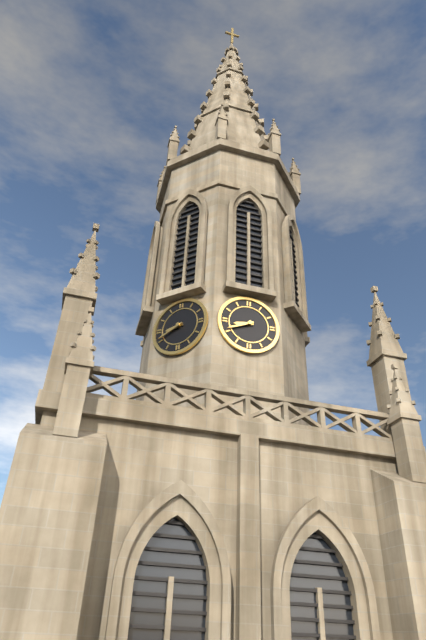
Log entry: {"hour": 8, "minute": 41}
